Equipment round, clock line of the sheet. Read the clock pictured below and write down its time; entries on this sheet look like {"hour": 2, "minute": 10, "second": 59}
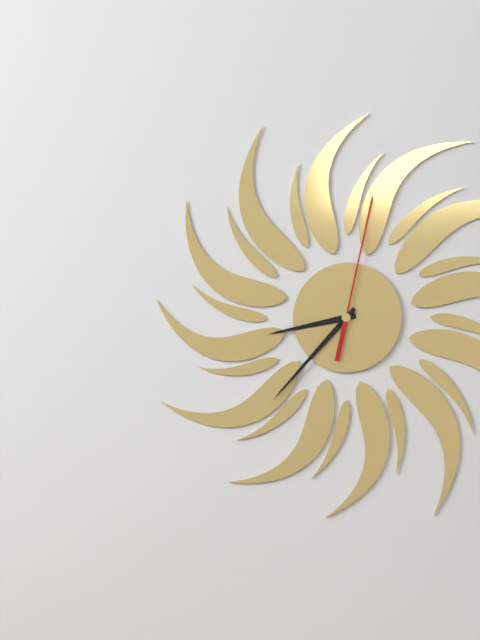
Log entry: {"hour": 8, "minute": 37, "second": 2}
